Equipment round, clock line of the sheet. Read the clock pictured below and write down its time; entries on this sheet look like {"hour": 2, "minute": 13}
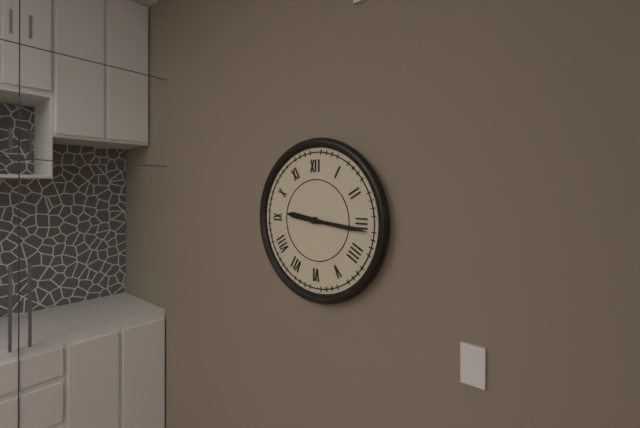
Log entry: {"hour": 9, "minute": 16}
